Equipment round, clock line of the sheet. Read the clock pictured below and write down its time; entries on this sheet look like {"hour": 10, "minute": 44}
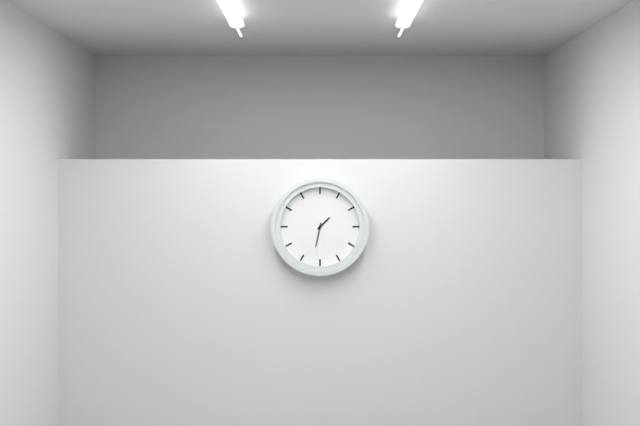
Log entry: {"hour": 1, "minute": 32}
